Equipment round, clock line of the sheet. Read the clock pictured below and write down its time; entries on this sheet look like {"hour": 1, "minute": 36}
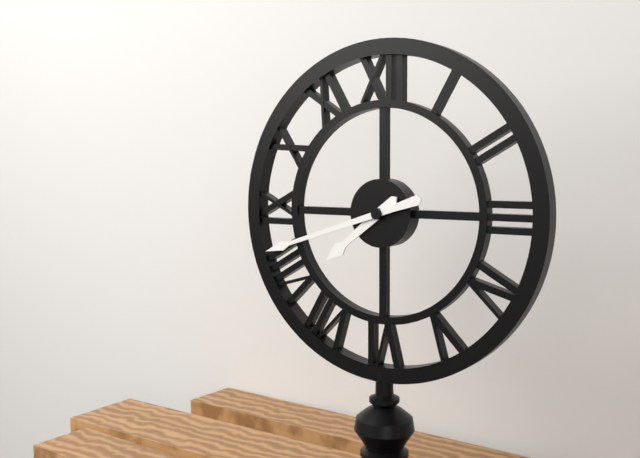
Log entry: {"hour": 7, "minute": 42}
